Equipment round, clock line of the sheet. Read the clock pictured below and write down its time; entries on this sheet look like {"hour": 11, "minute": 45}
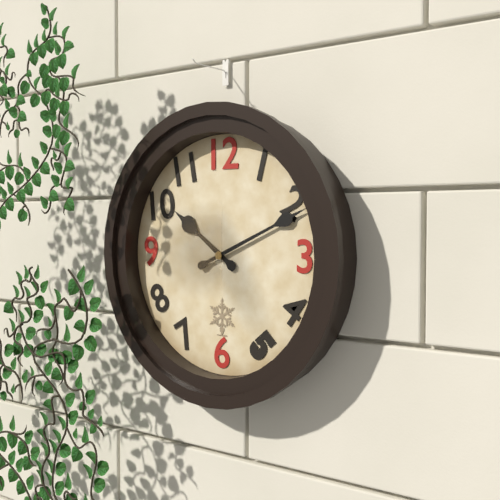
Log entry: {"hour": 10, "minute": 11}
